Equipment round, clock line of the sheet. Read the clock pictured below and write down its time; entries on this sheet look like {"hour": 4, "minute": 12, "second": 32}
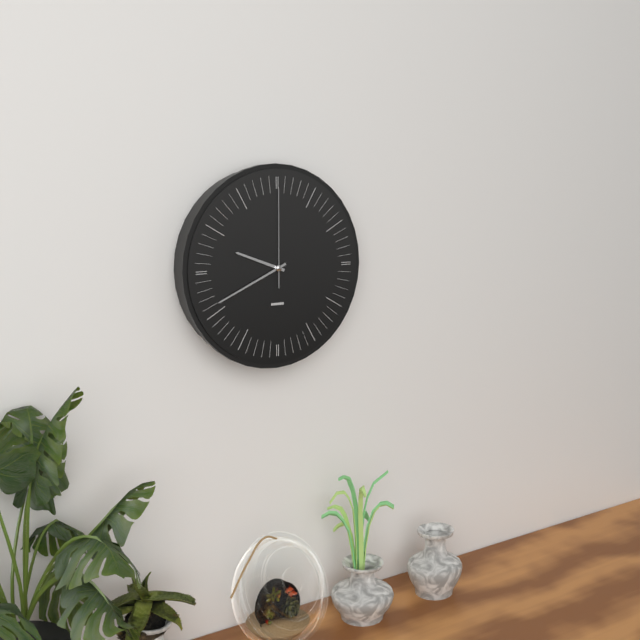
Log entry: {"hour": 9, "minute": 41, "second": 0}
